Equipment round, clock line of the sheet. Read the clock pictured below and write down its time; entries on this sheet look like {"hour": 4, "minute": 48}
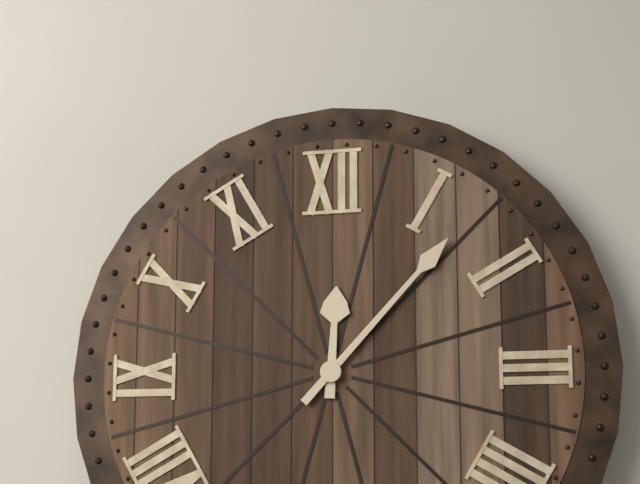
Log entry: {"hour": 12, "minute": 7}
